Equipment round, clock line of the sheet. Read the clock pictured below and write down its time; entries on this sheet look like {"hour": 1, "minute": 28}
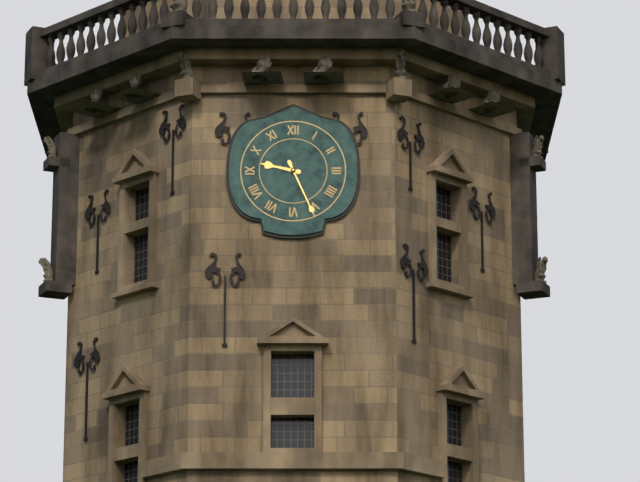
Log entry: {"hour": 9, "minute": 26}
